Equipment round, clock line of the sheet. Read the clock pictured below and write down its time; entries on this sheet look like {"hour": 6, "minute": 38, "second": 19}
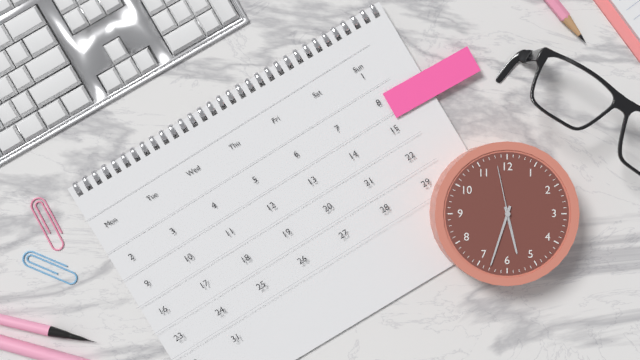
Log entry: {"hour": 5, "minute": 33, "second": 58}
